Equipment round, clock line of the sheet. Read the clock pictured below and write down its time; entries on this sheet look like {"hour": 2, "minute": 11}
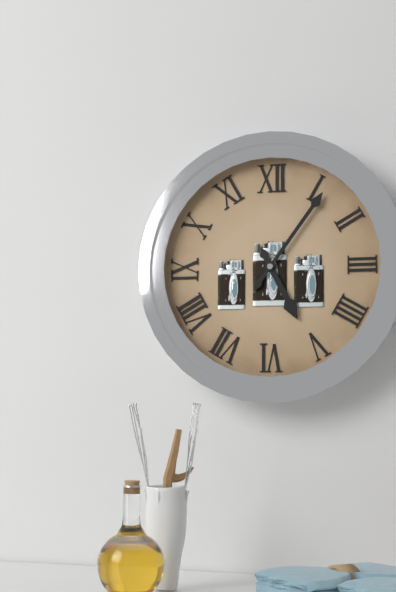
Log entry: {"hour": 5, "minute": 6}
